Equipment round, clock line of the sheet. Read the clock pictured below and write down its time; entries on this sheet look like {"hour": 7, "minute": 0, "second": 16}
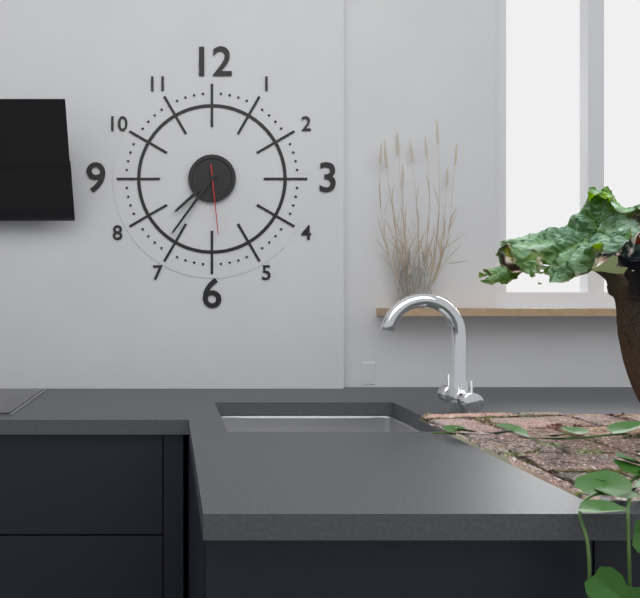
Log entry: {"hour": 7, "minute": 36, "second": 29}
